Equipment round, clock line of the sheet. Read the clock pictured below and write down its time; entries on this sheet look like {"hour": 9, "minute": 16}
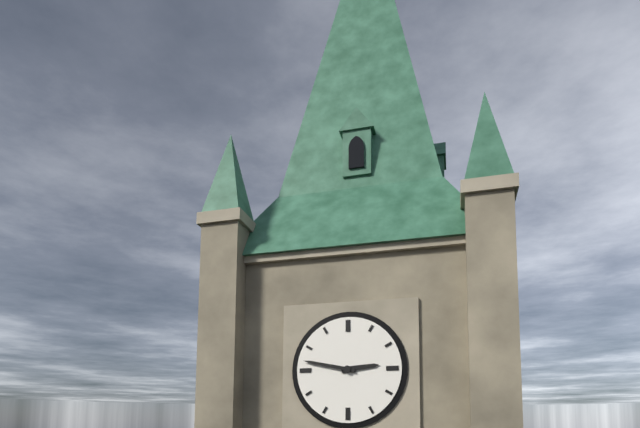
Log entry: {"hour": 2, "minute": 47}
